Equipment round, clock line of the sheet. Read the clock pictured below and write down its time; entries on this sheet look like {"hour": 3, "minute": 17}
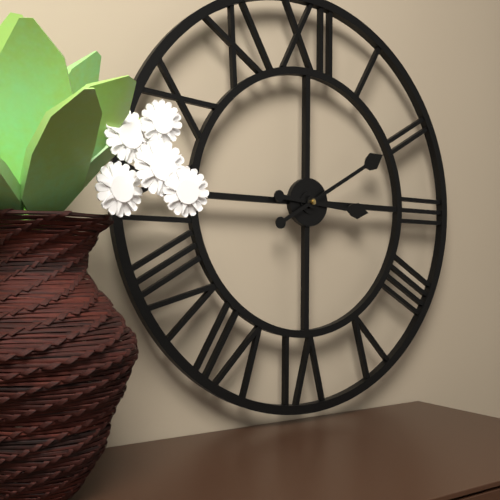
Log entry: {"hour": 3, "minute": 10}
